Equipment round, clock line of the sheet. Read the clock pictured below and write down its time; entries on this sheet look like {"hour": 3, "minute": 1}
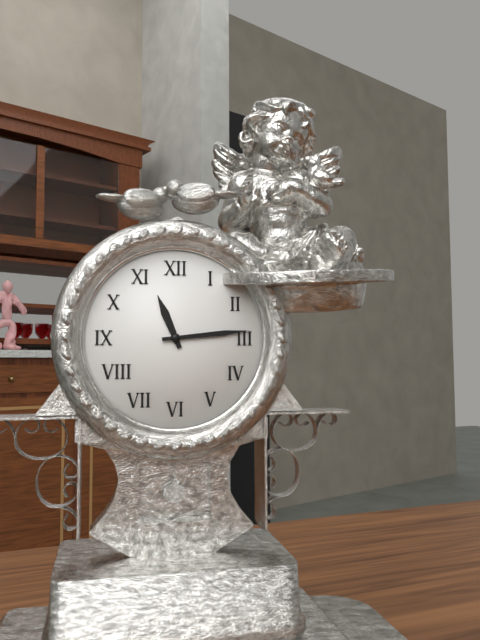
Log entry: {"hour": 11, "minute": 14}
